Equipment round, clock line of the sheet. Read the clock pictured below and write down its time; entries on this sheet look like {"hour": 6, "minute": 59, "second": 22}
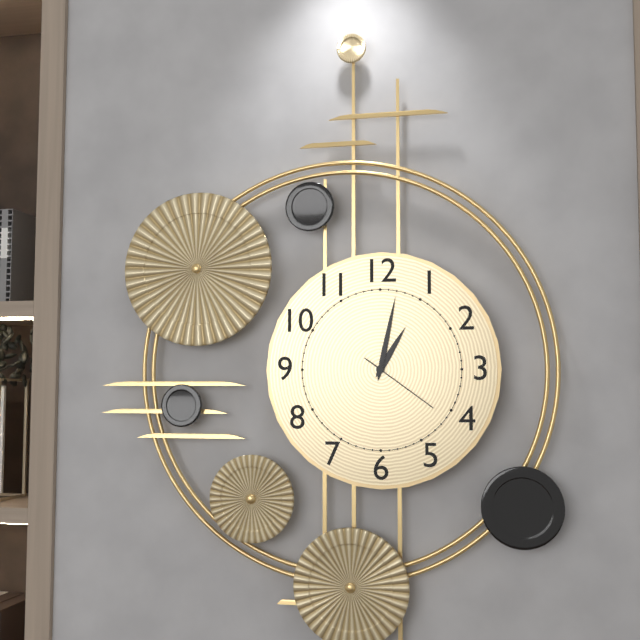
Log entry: {"hour": 1, "minute": 2, "second": 21}
